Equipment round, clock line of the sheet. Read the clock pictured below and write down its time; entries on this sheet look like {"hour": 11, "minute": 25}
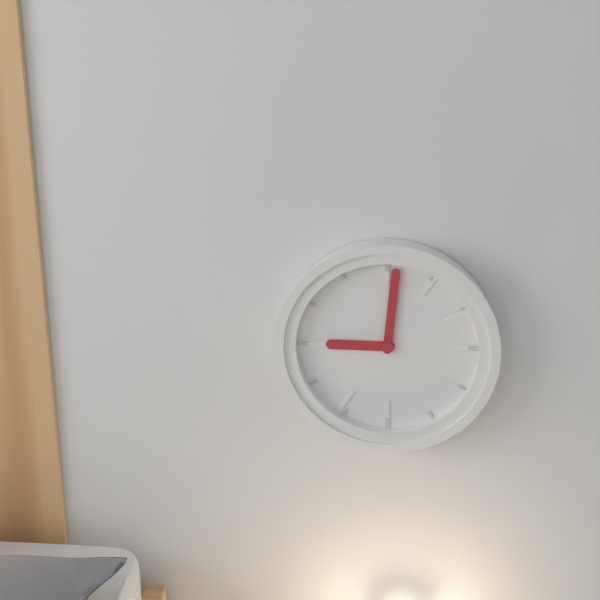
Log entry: {"hour": 9, "minute": 1}
